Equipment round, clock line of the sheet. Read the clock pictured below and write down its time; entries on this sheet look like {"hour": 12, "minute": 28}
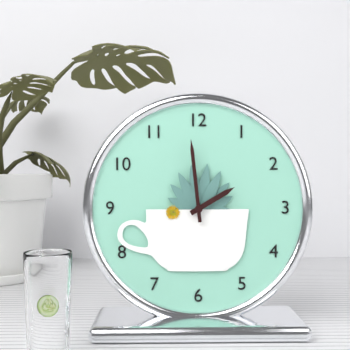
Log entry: {"hour": 1, "minute": 59}
